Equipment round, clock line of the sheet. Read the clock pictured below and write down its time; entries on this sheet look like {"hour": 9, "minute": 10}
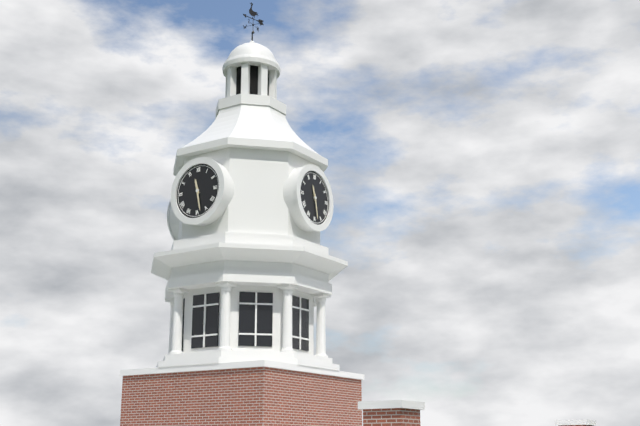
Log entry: {"hour": 11, "minute": 28}
